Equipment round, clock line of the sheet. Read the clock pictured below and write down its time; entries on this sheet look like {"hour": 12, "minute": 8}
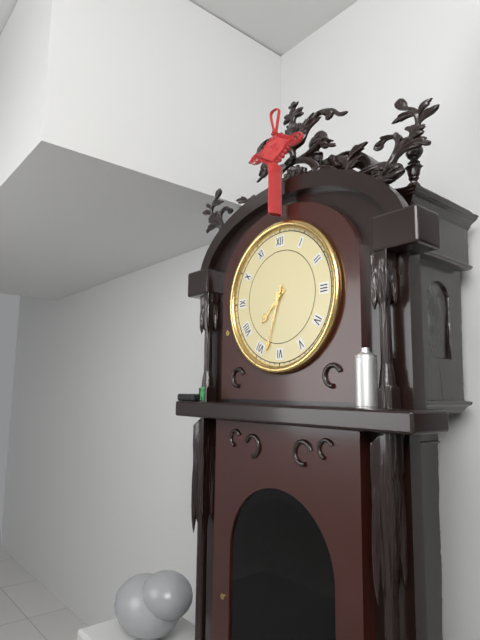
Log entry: {"hour": 7, "minute": 33}
